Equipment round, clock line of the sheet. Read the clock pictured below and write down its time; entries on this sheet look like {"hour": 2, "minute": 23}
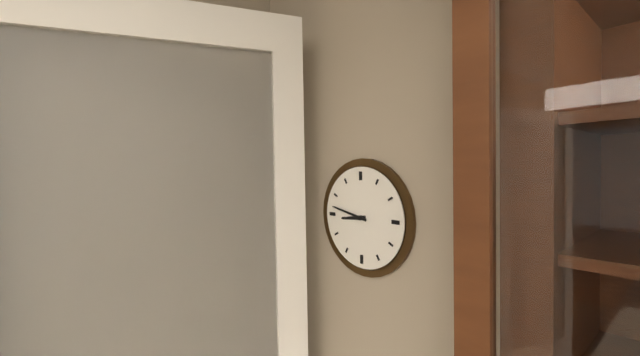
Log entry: {"hour": 8, "minute": 47}
